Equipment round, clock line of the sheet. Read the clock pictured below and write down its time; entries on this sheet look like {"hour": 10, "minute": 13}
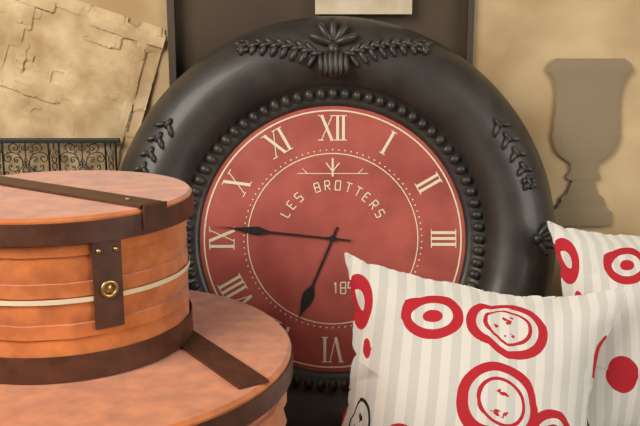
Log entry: {"hour": 6, "minute": 46}
